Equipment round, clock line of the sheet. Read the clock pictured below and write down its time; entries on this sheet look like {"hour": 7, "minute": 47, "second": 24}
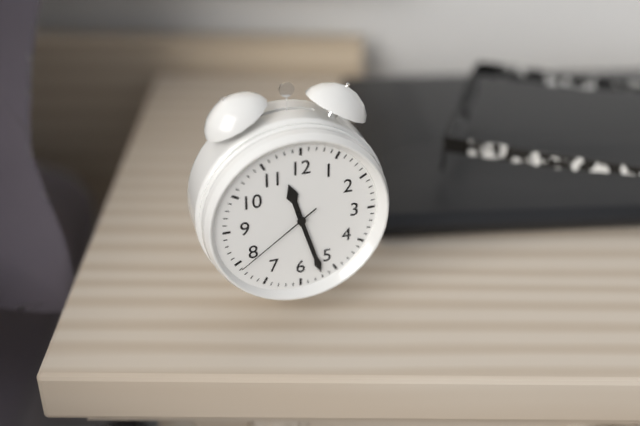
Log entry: {"hour": 11, "minute": 27, "second": 39}
